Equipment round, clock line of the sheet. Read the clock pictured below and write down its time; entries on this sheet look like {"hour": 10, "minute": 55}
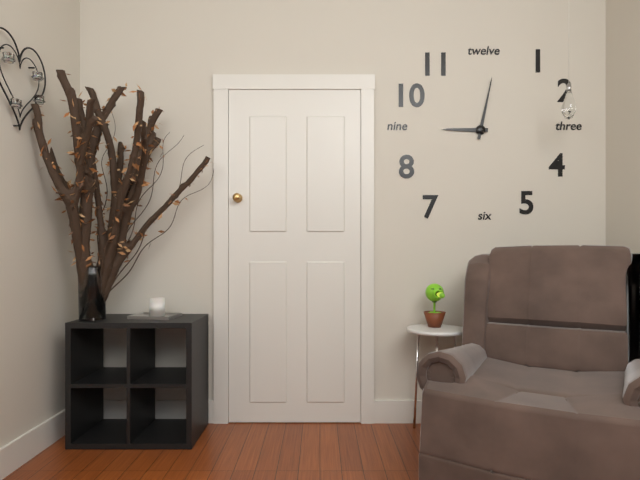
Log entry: {"hour": 9, "minute": 2}
